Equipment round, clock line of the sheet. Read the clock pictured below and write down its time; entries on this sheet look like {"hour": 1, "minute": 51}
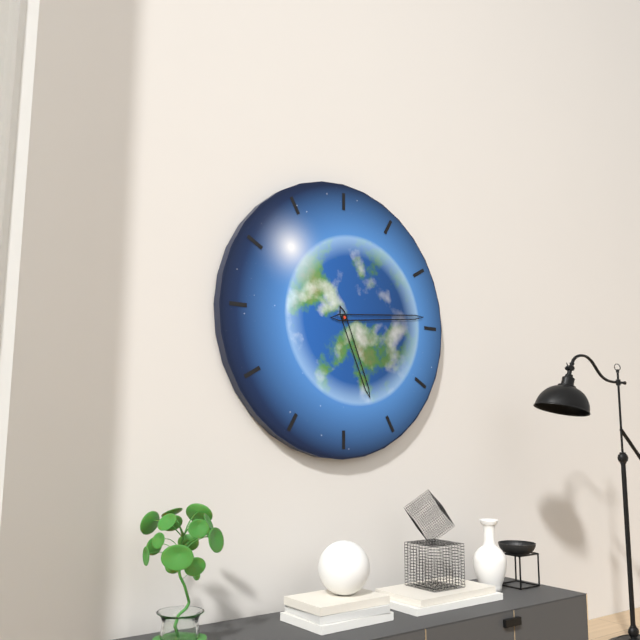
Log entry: {"hour": 5, "minute": 14}
